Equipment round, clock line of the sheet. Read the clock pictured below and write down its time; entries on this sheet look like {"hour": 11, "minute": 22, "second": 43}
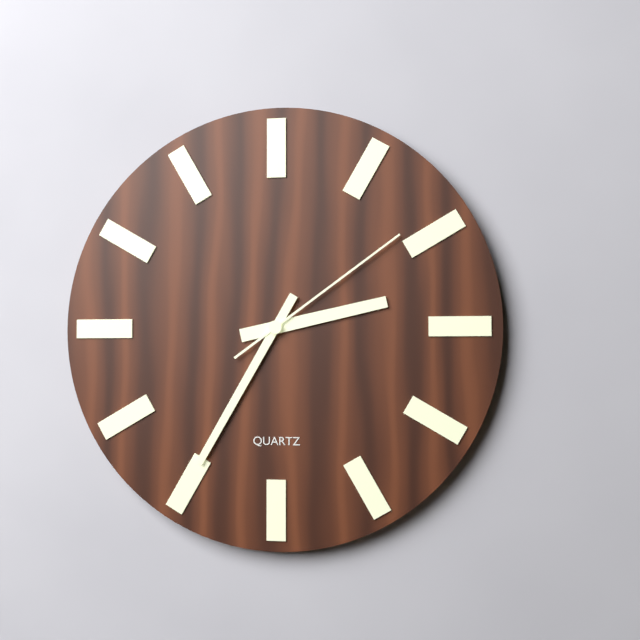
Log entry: {"hour": 2, "minute": 35, "second": 9}
